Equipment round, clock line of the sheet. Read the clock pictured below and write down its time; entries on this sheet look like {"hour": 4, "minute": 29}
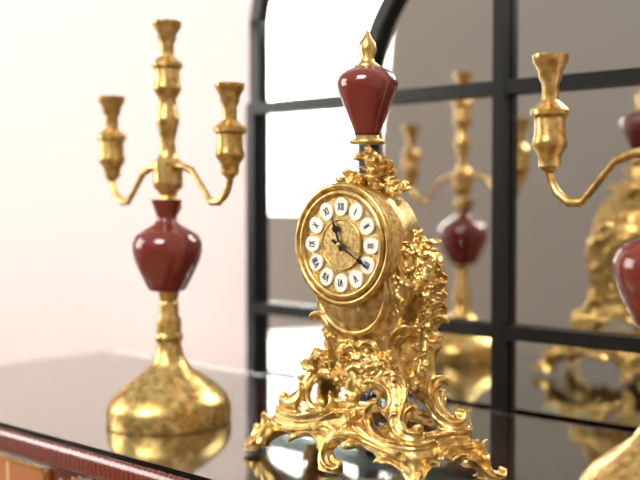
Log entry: {"hour": 11, "minute": 20}
